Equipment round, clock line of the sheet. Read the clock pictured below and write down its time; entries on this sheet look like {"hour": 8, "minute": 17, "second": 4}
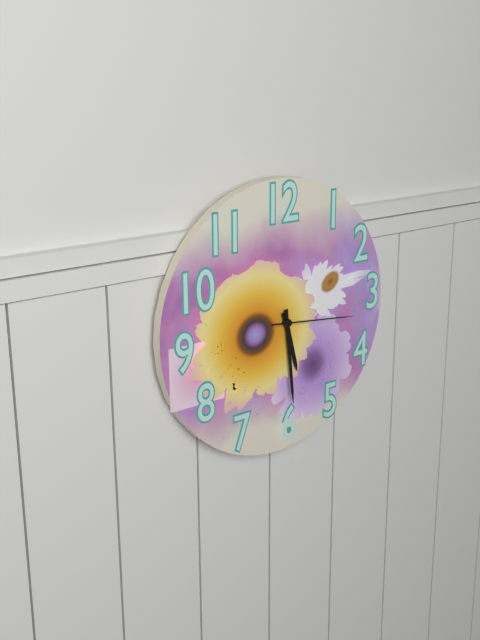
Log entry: {"hour": 5, "minute": 29, "second": 16}
